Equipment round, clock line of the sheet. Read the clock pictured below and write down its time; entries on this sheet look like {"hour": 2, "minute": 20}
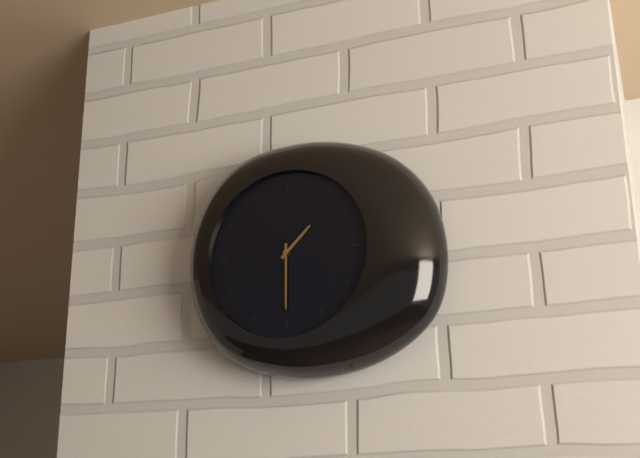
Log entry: {"hour": 1, "minute": 30}
